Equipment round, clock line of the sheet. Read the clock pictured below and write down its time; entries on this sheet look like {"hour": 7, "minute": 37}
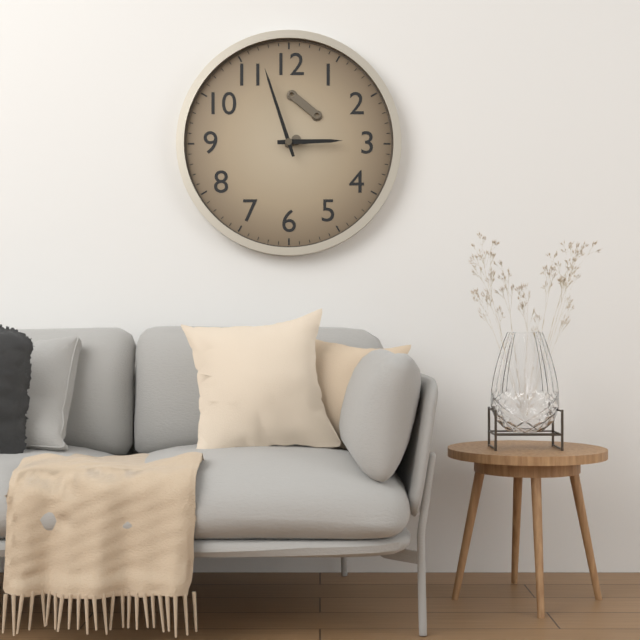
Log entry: {"hour": 2, "minute": 57}
